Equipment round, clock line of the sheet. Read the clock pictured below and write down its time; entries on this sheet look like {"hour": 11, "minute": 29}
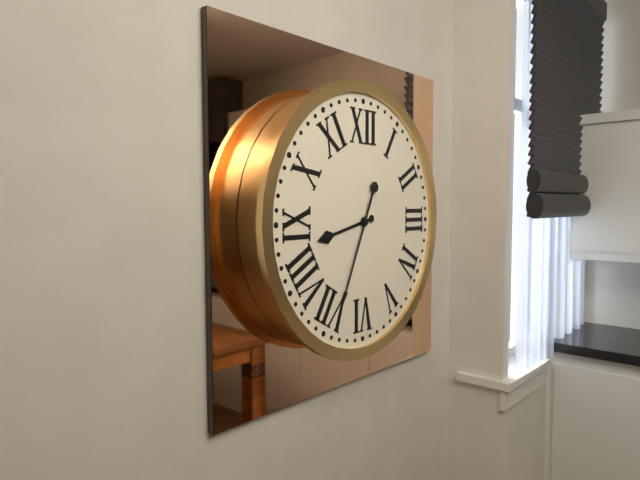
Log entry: {"hour": 8, "minute": 34}
